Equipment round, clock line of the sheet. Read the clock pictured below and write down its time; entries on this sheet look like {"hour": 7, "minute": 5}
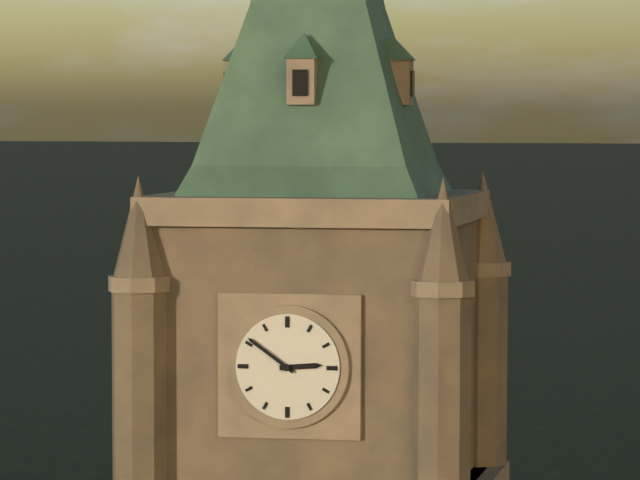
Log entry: {"hour": 2, "minute": 51}
